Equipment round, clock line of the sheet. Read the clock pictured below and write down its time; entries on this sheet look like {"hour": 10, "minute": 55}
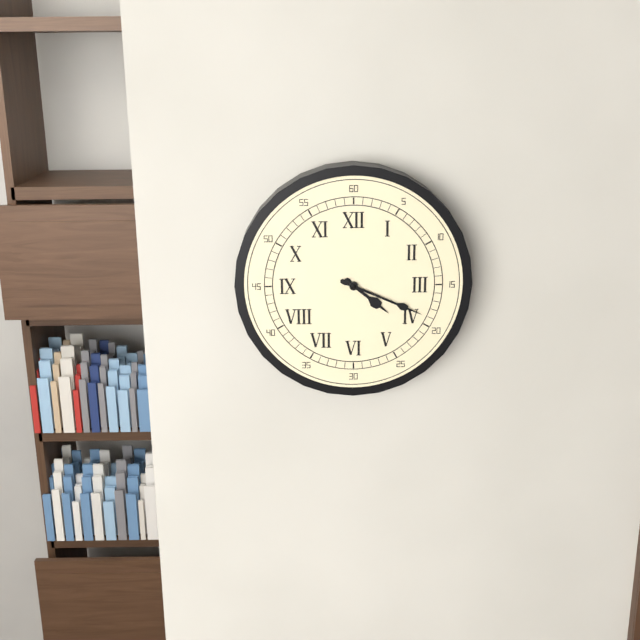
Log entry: {"hour": 4, "minute": 19}
